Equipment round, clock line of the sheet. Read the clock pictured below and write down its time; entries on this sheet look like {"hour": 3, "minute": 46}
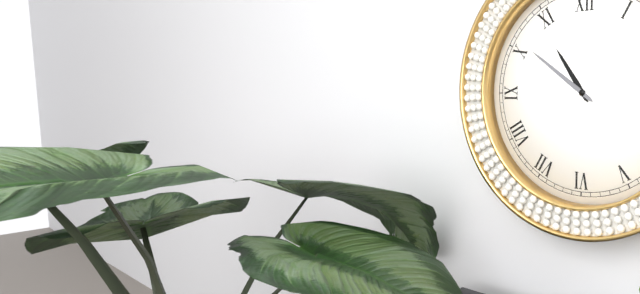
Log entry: {"hour": 10, "minute": 51}
